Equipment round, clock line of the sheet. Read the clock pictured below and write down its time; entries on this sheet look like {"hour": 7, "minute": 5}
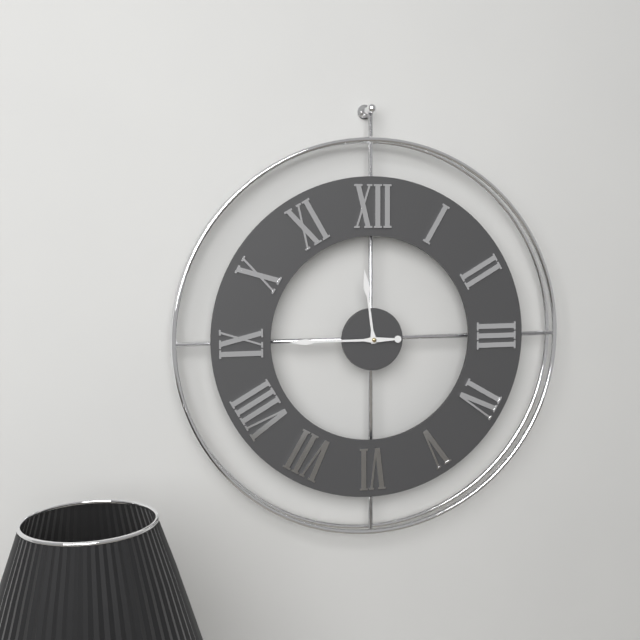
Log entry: {"hour": 11, "minute": 45}
